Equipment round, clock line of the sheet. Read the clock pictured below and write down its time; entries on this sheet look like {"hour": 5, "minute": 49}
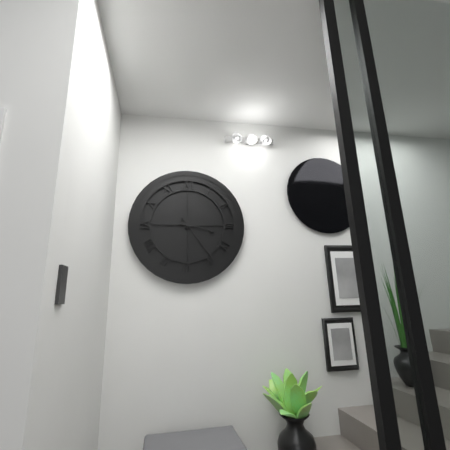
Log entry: {"hour": 3, "minute": 24}
